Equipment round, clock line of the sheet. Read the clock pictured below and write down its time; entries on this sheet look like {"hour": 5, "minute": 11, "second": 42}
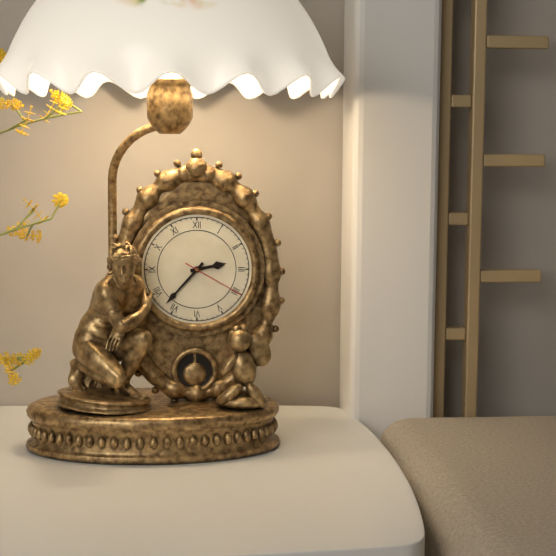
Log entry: {"hour": 2, "minute": 37, "second": 20}
